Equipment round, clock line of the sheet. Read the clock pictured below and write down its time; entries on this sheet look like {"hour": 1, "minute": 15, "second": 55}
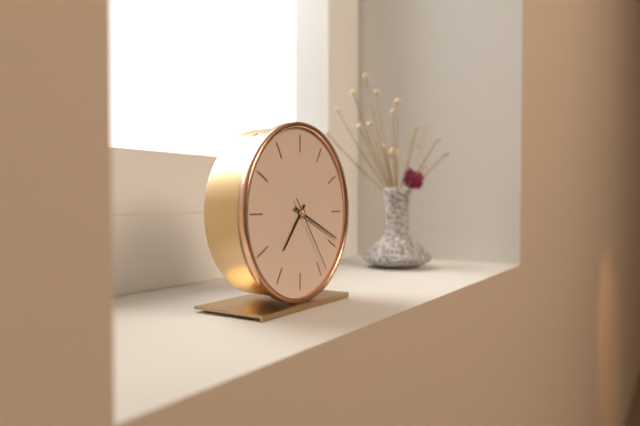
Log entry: {"hour": 7, "minute": 19, "second": 24}
